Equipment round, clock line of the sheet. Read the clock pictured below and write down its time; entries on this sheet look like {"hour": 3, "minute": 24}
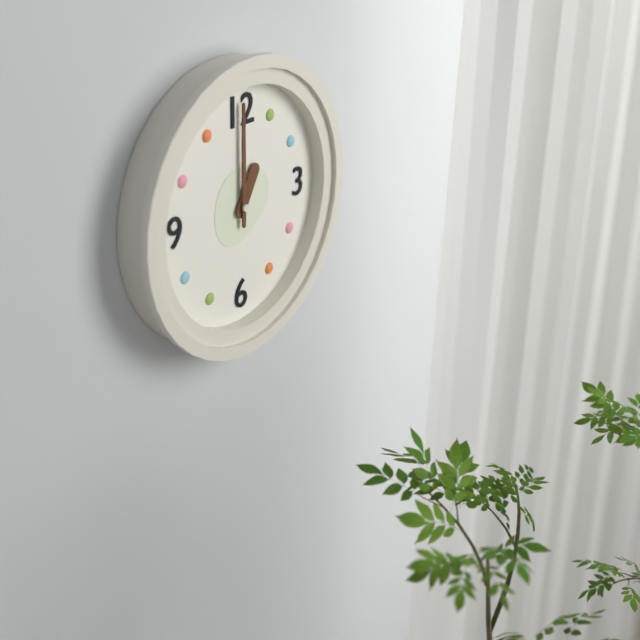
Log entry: {"hour": 1, "minute": 0}
